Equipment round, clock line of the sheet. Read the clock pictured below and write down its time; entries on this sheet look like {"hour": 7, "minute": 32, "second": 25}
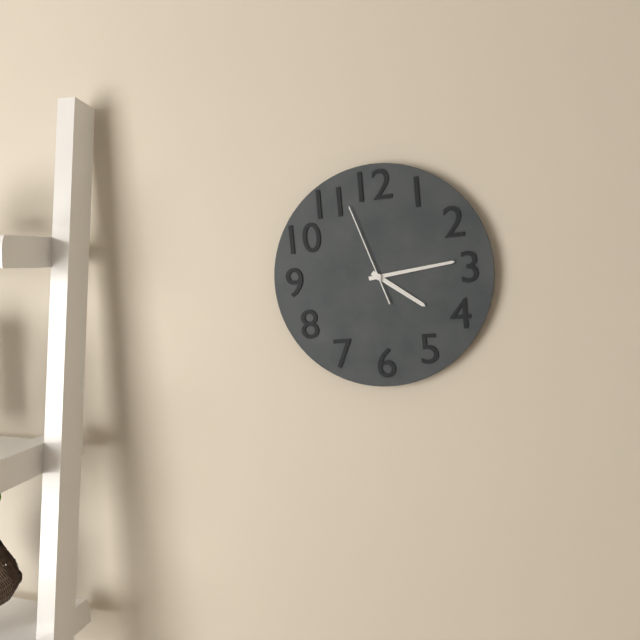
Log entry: {"hour": 4, "minute": 14, "second": 57}
